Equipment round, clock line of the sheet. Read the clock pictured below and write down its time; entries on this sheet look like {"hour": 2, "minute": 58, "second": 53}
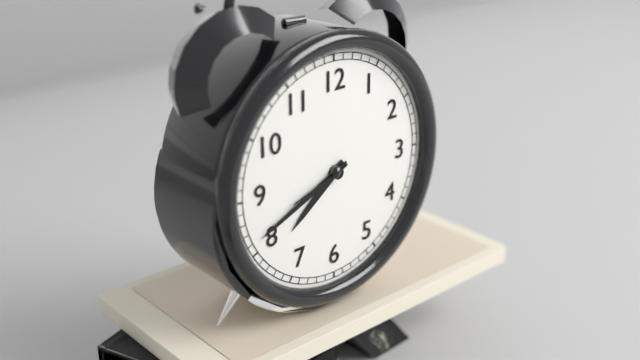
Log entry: {"hour": 7, "minute": 41, "second": 42}
